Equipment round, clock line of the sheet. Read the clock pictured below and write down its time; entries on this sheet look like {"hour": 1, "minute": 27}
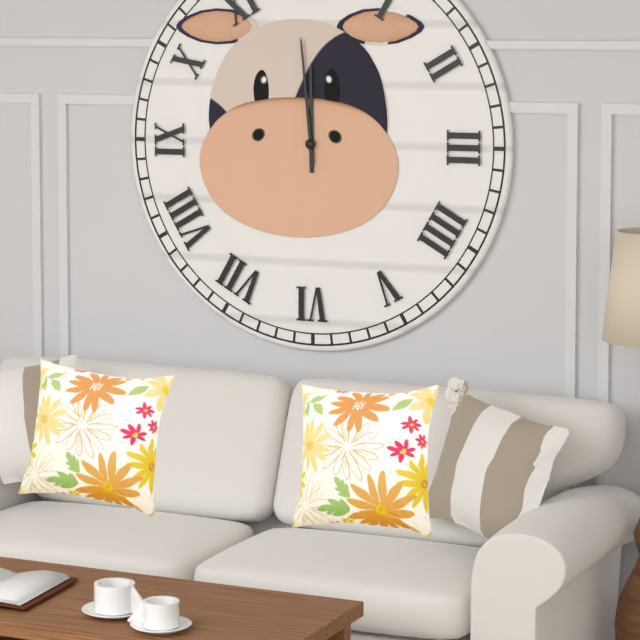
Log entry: {"hour": 11, "minute": 59}
